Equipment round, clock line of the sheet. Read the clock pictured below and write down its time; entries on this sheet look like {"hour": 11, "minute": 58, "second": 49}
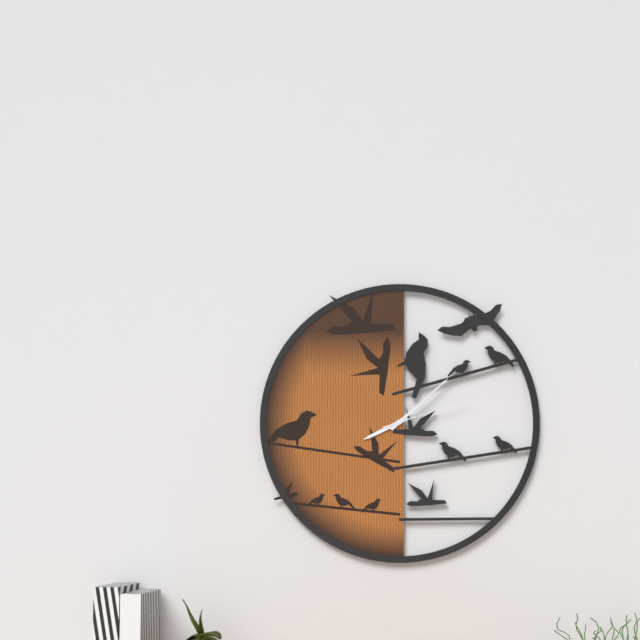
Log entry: {"hour": 8, "minute": 8, "second": 12}
